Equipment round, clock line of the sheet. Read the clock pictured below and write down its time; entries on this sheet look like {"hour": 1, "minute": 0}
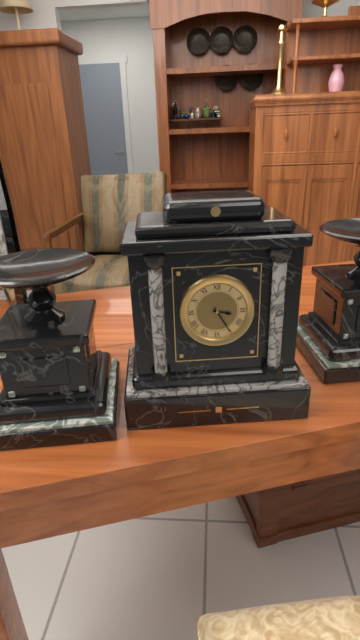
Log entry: {"hour": 3, "minute": 25}
